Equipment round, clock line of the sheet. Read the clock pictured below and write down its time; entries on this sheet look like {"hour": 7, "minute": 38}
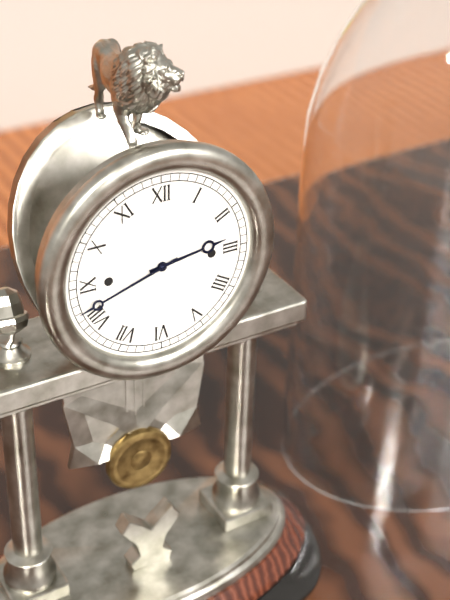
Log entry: {"hour": 2, "minute": 42}
